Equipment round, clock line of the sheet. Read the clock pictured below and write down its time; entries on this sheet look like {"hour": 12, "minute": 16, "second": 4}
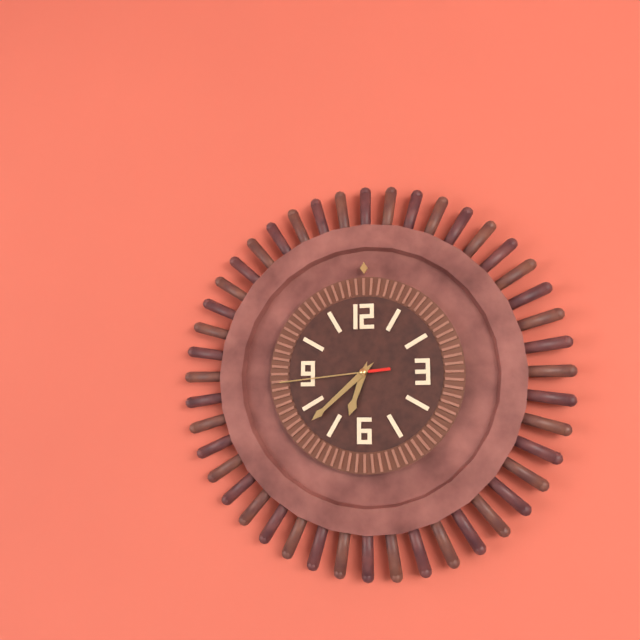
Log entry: {"hour": 6, "minute": 38, "second": 44}
